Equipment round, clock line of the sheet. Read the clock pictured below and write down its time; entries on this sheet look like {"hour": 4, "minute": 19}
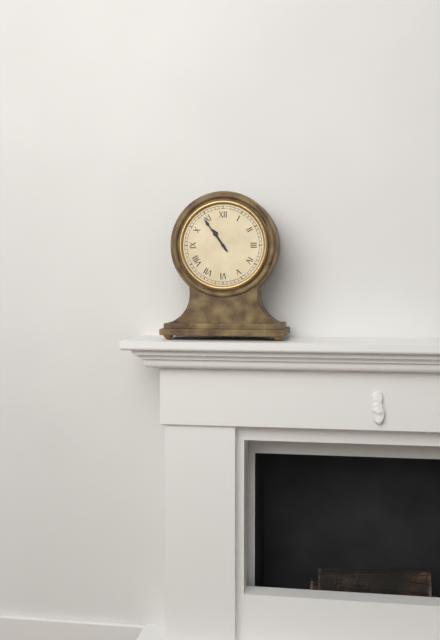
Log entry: {"hour": 10, "minute": 54}
